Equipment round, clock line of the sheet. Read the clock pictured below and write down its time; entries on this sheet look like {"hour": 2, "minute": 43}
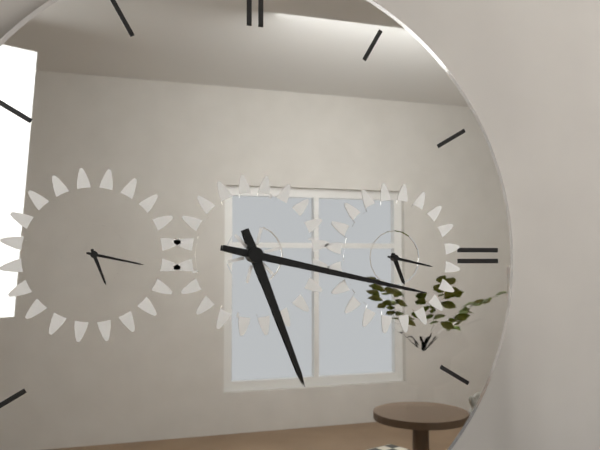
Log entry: {"hour": 5, "minute": 17}
